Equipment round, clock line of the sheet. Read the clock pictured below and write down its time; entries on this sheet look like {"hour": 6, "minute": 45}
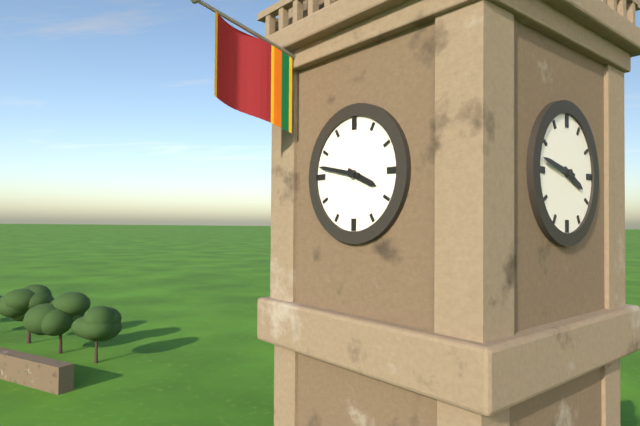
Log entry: {"hour": 3, "minute": 47}
